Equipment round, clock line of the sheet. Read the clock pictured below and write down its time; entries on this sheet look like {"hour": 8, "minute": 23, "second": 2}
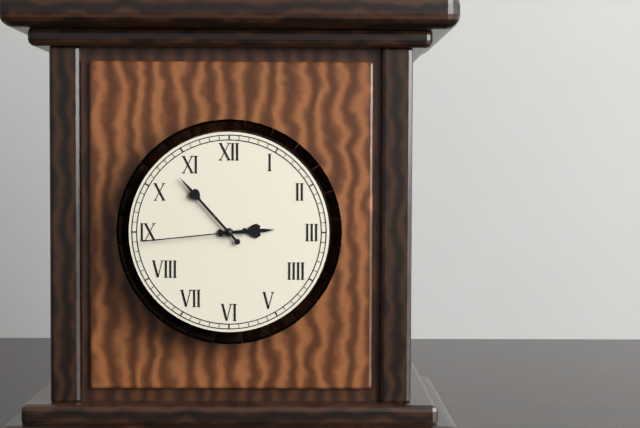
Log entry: {"hour": 2, "minute": 53, "second": 44}
